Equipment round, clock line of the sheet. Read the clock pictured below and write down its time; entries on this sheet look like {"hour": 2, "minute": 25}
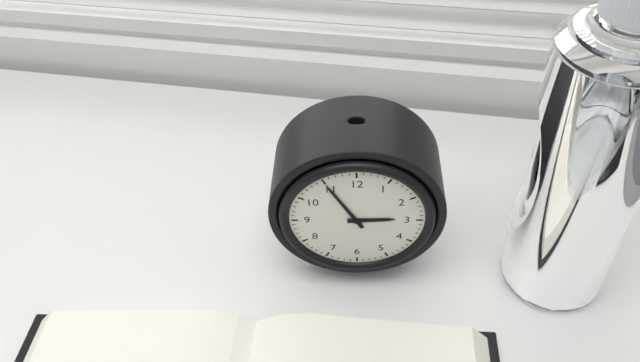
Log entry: {"hour": 2, "minute": 55}
